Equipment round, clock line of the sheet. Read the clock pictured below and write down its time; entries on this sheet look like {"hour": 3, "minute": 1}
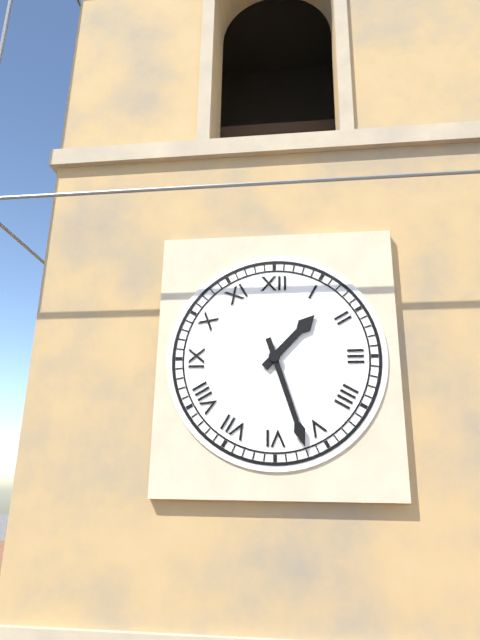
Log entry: {"hour": 1, "minute": 27}
